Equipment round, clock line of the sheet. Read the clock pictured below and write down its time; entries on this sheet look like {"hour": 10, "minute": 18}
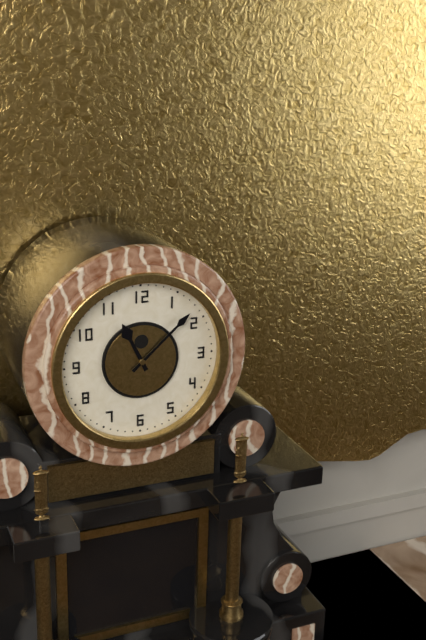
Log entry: {"hour": 11, "minute": 8}
